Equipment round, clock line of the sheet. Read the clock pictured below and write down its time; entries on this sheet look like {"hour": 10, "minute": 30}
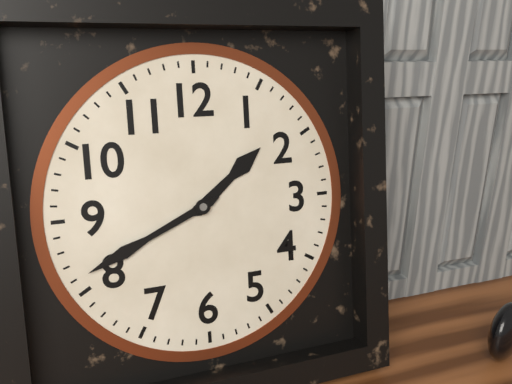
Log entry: {"hour": 1, "minute": 41}
